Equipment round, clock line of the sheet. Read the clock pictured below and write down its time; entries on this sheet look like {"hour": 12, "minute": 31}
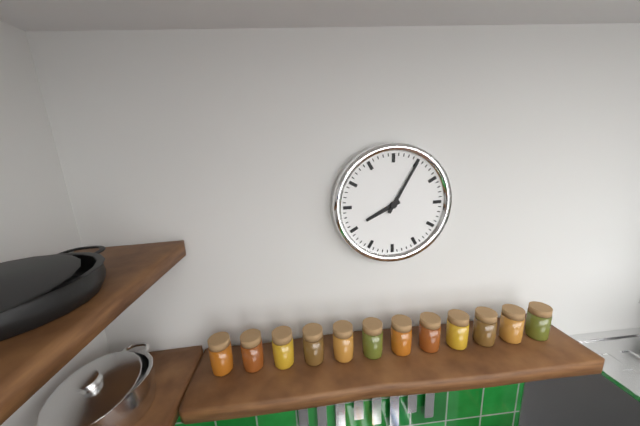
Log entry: {"hour": 8, "minute": 5}
